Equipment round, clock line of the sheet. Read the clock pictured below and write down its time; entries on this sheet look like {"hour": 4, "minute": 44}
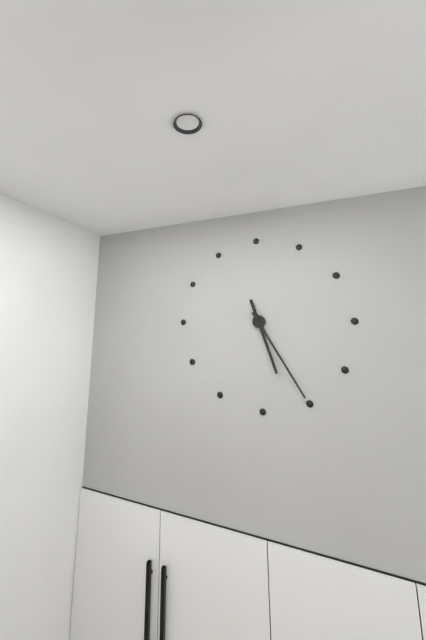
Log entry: {"hour": 5, "minute": 25}
